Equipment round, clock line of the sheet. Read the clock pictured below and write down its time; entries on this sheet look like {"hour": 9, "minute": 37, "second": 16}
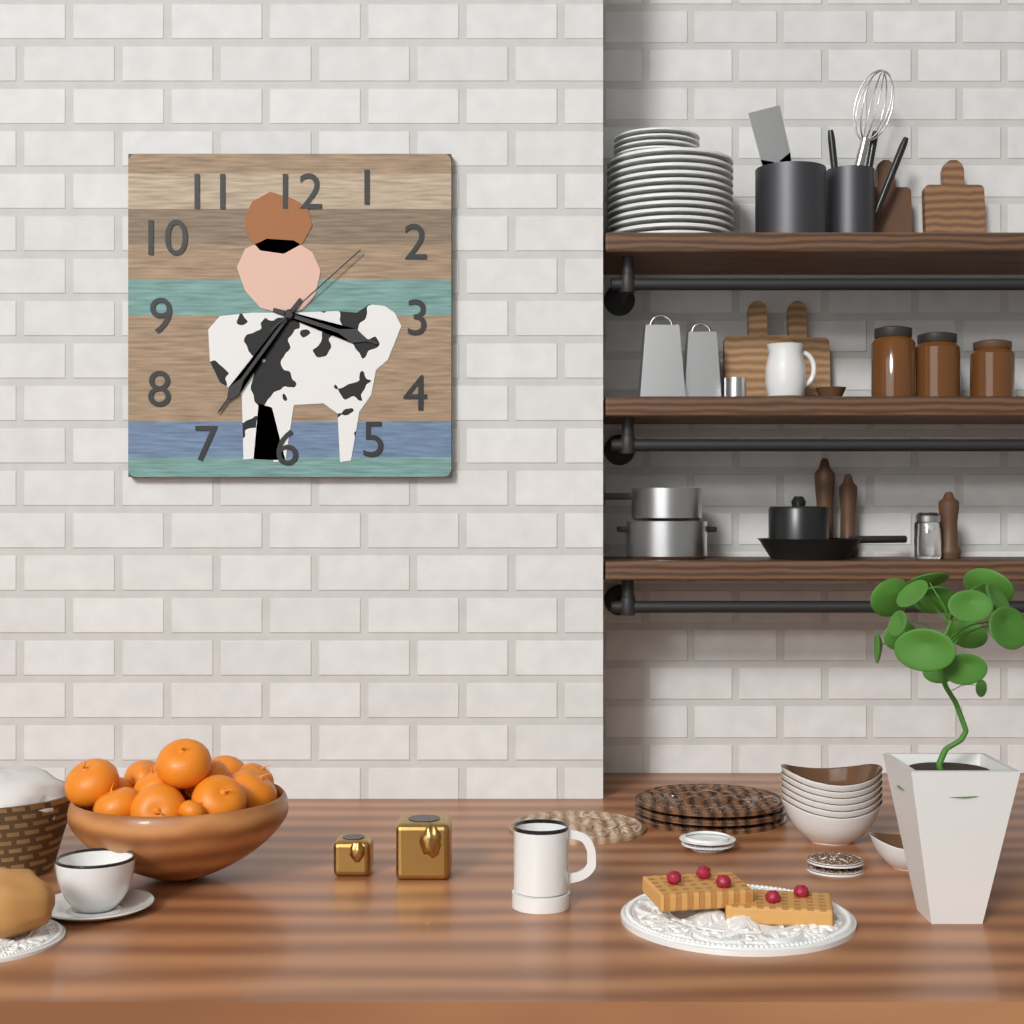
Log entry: {"hour": 3, "minute": 36, "second": 8}
